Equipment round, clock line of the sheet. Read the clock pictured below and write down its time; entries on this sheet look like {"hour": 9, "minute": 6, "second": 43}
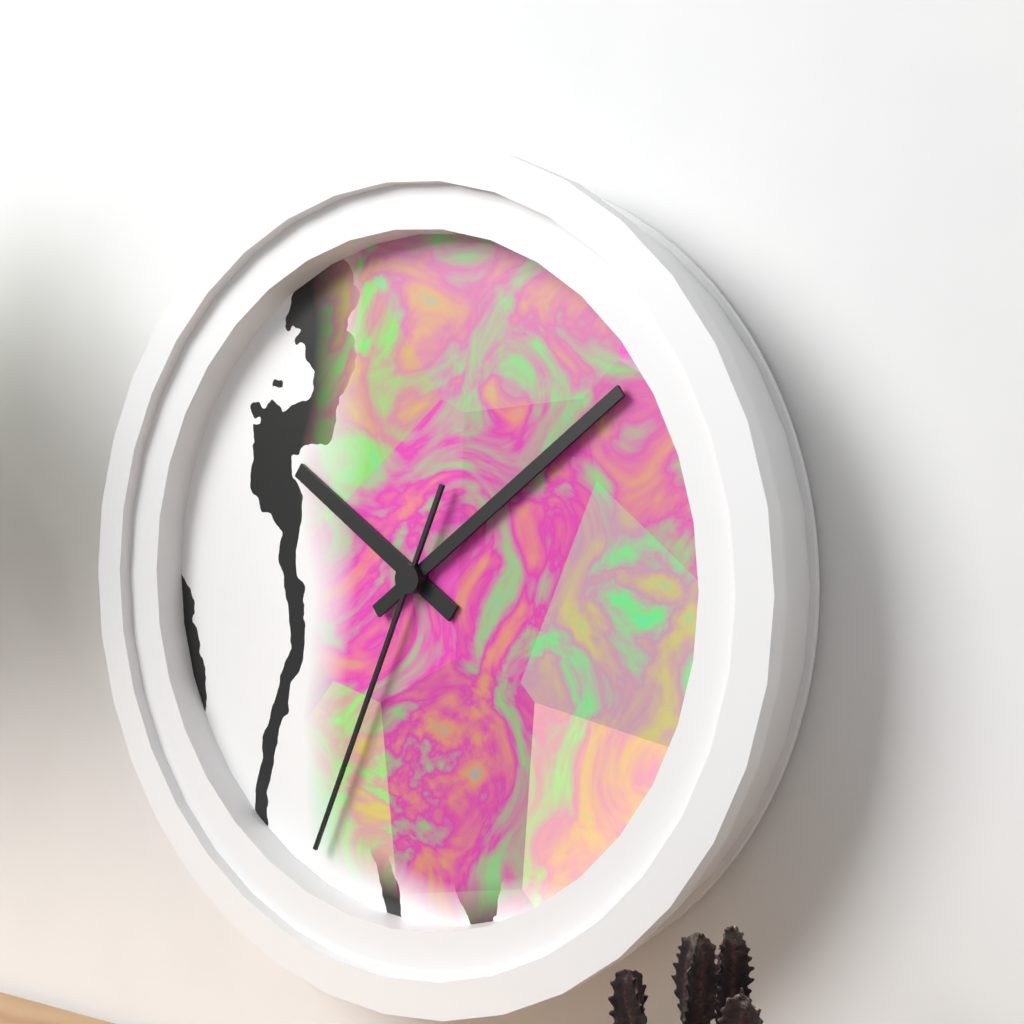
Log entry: {"hour": 10, "minute": 9, "second": 34}
